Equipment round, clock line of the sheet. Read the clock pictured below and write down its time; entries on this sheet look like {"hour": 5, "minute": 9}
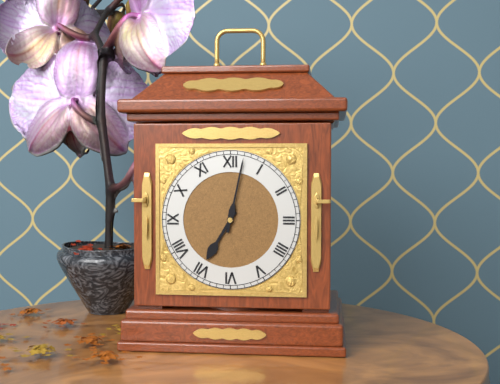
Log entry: {"hour": 7, "minute": 2}
